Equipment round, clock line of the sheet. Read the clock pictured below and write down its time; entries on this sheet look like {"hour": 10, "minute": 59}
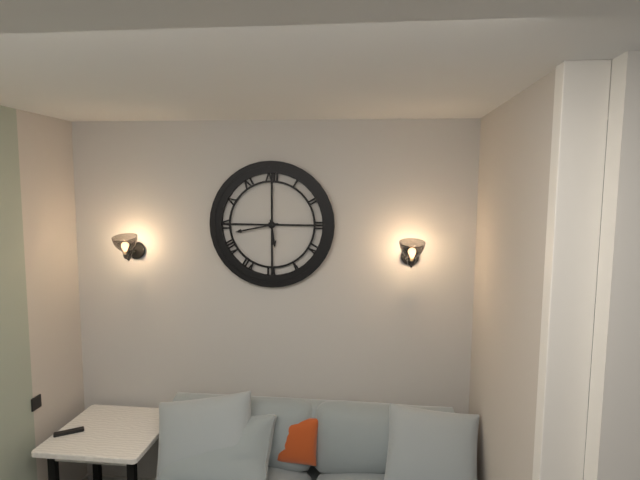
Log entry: {"hour": 5, "minute": 43}
